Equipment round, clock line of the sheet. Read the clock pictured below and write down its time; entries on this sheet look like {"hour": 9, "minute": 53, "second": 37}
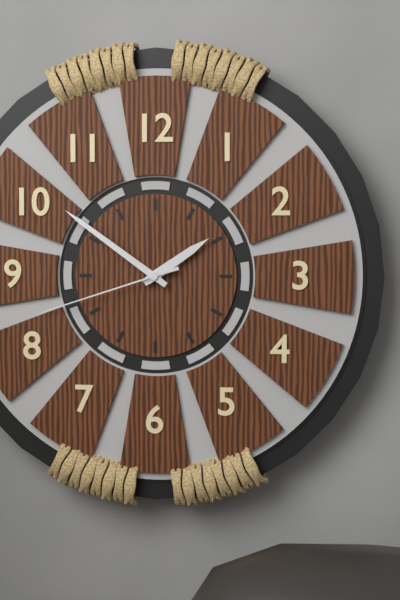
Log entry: {"hour": 1, "minute": 51, "second": 42}
